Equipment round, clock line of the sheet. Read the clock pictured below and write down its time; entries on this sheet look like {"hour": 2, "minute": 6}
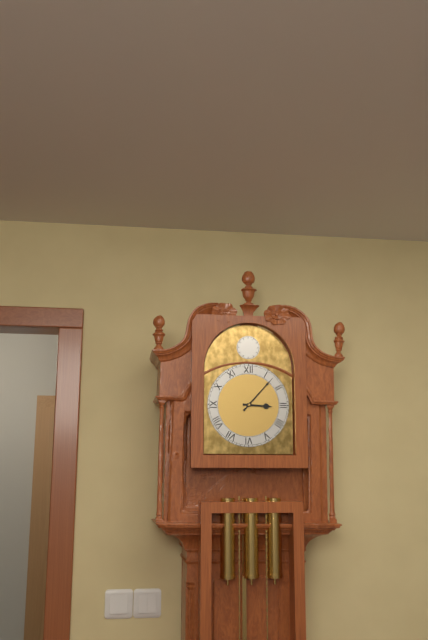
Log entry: {"hour": 3, "minute": 7}
